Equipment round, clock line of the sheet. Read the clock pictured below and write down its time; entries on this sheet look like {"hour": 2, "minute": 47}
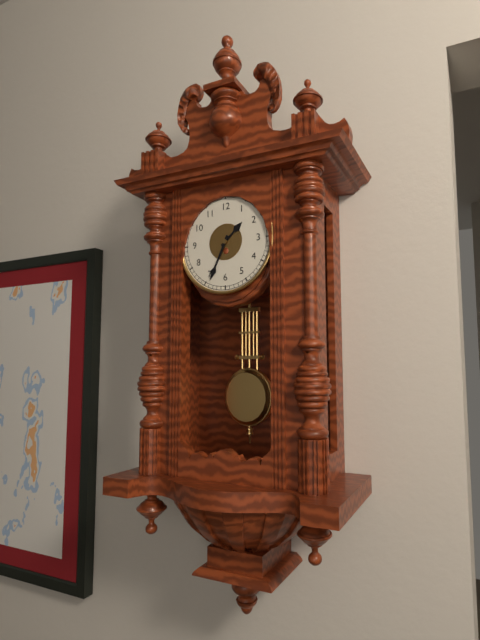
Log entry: {"hour": 1, "minute": 34}
